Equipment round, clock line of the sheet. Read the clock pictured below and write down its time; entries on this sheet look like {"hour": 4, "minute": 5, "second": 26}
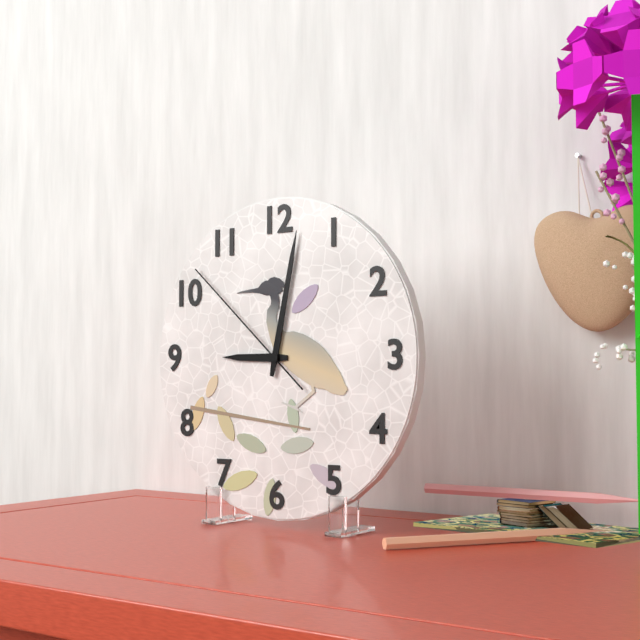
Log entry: {"hour": 9, "minute": 2, "second": 52}
